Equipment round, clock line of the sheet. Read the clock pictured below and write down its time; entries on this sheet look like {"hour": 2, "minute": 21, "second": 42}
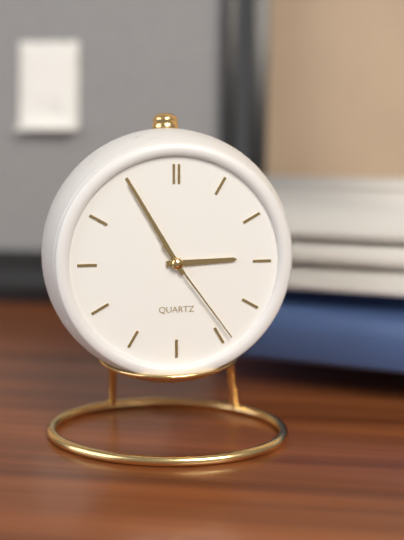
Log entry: {"hour": 2, "minute": 55, "second": 24}
